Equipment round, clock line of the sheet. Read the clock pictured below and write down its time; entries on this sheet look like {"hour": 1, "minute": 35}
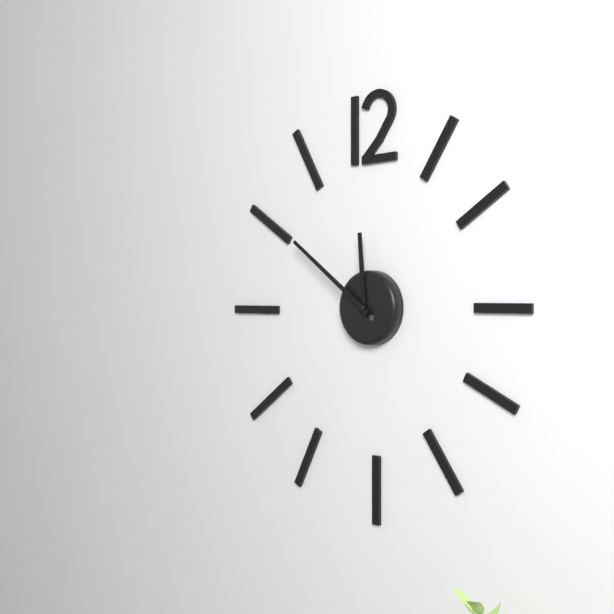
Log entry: {"hour": 11, "minute": 51}
